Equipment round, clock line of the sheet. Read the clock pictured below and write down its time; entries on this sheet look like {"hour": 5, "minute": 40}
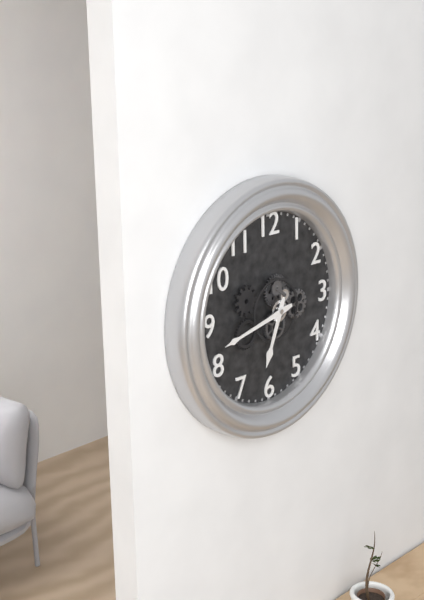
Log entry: {"hour": 6, "minute": 43}
